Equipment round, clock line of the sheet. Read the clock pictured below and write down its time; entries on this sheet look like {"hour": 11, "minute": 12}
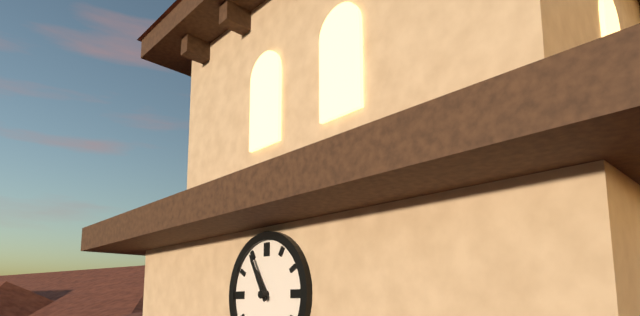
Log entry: {"hour": 10, "minute": 55}
